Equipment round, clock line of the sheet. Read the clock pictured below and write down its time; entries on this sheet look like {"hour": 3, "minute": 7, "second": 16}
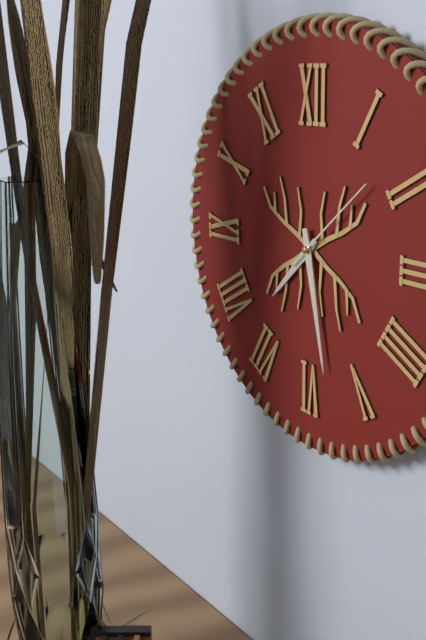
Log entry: {"hour": 7, "minute": 28, "second": 8}
